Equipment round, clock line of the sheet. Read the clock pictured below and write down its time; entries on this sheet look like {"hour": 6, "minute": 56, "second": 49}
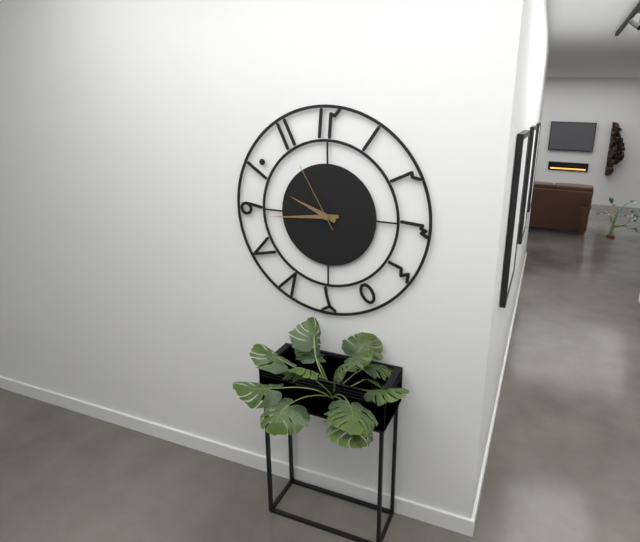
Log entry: {"hour": 9, "minute": 44, "second": 55}
